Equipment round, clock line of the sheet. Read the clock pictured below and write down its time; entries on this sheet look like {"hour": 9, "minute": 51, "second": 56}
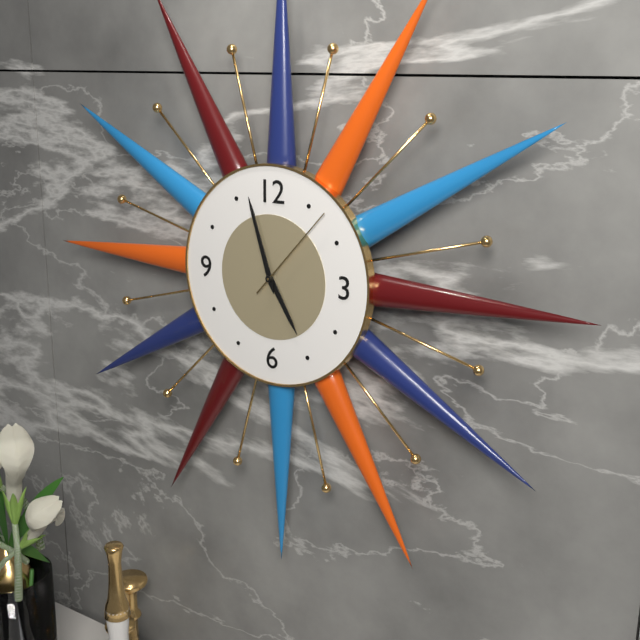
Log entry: {"hour": 4, "minute": 57, "second": 7}
